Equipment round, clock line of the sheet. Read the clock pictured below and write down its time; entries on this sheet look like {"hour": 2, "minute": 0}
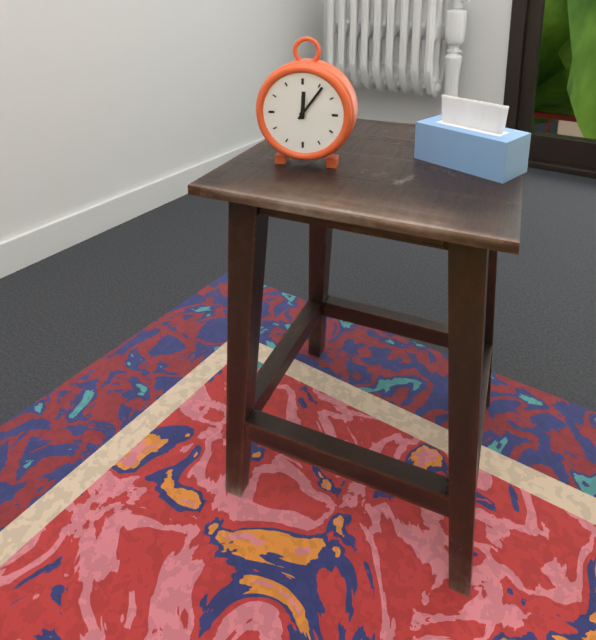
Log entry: {"hour": 12, "minute": 6}
